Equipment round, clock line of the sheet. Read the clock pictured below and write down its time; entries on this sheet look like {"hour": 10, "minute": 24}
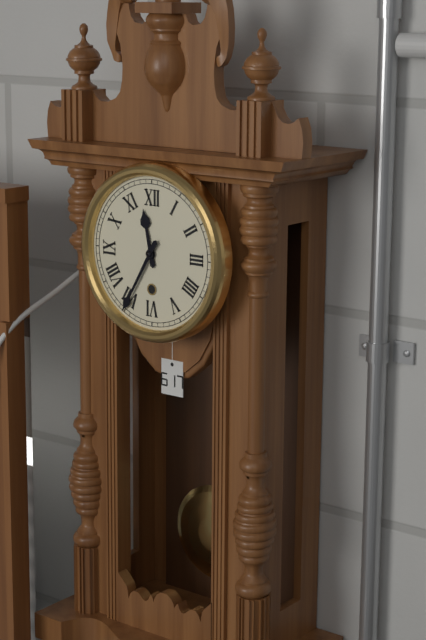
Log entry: {"hour": 11, "minute": 35}
